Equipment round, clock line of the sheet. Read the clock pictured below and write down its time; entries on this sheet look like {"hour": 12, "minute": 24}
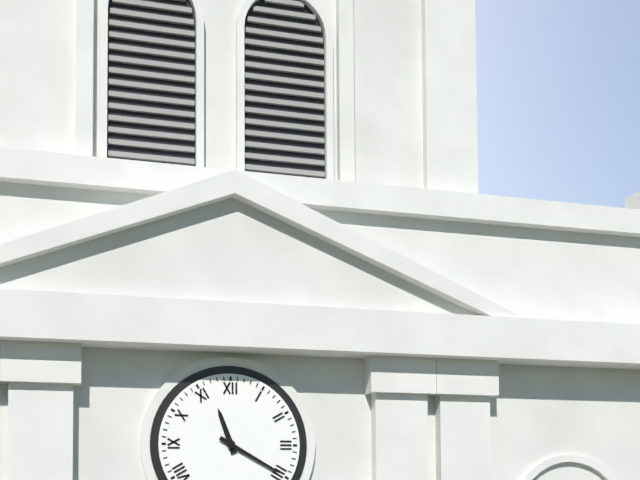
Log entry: {"hour": 11, "minute": 20}
